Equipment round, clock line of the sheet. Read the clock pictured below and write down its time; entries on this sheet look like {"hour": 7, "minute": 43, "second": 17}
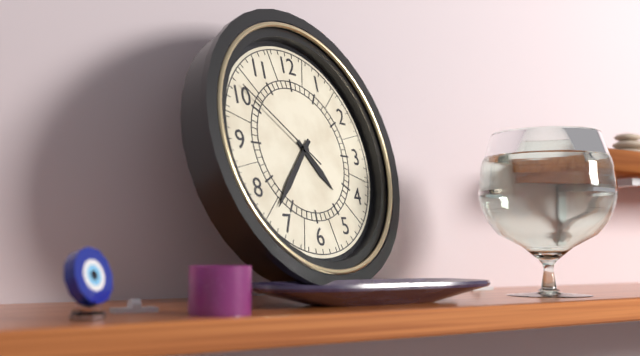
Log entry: {"hour": 4, "minute": 37, "second": 51}
